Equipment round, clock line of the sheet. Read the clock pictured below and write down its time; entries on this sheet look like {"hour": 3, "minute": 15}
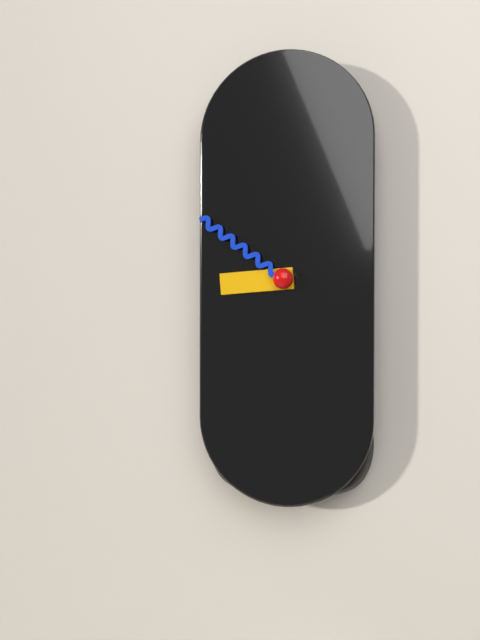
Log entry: {"hour": 8, "minute": 51}
